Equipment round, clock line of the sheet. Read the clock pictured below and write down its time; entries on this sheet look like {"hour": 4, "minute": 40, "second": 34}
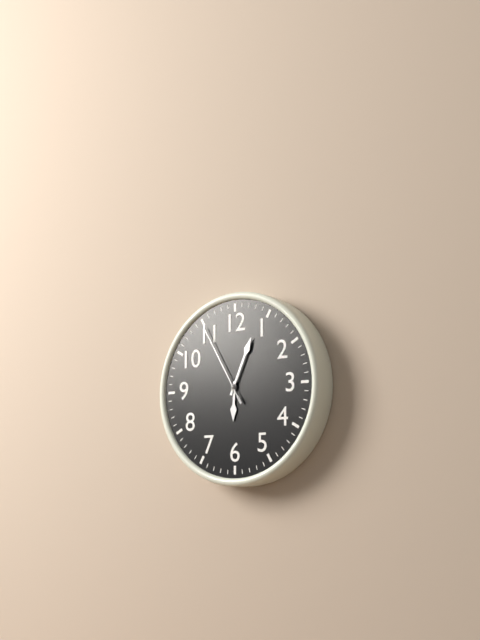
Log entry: {"hour": 6, "minute": 4, "second": 55}
